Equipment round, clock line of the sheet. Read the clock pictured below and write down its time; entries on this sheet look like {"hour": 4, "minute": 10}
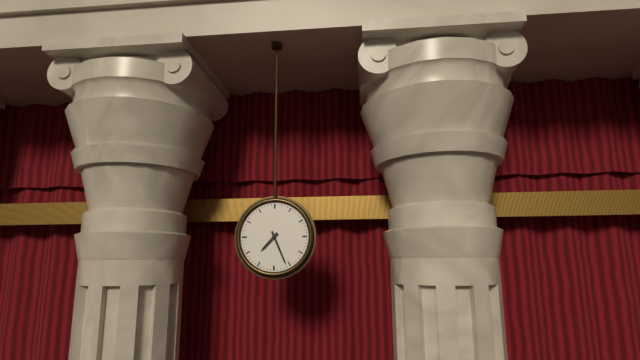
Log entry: {"hour": 7, "minute": 26}
